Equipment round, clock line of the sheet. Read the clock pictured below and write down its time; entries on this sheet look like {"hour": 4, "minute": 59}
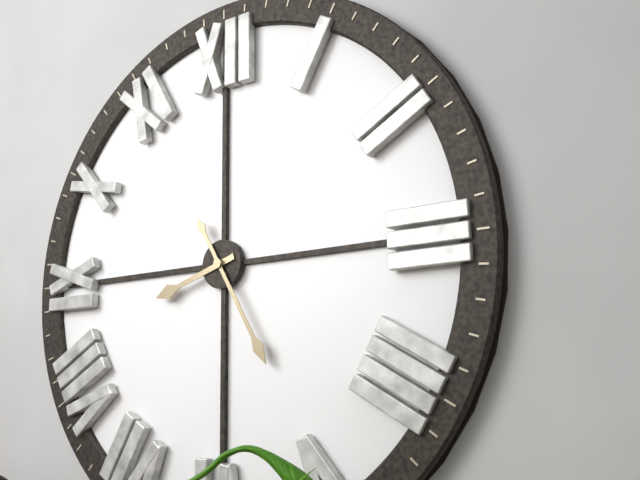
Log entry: {"hour": 8, "minute": 25}
